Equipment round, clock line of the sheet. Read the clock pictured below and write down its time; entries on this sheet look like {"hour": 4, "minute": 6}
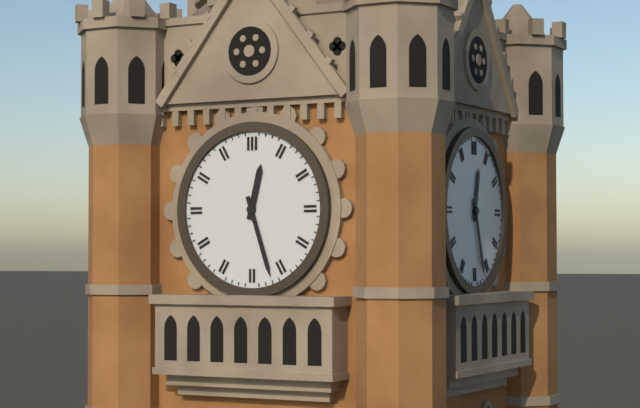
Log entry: {"hour": 12, "minute": 27}
